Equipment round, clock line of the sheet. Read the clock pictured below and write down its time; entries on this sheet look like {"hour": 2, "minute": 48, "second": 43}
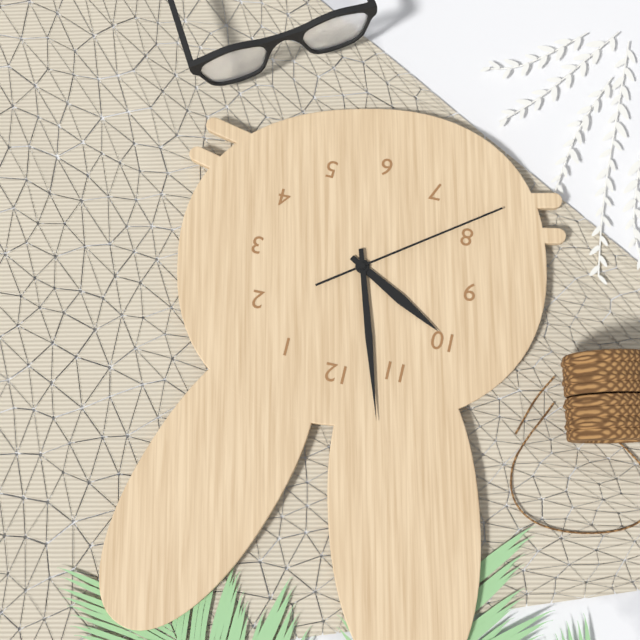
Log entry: {"hour": 9, "minute": 57, "second": 39}
